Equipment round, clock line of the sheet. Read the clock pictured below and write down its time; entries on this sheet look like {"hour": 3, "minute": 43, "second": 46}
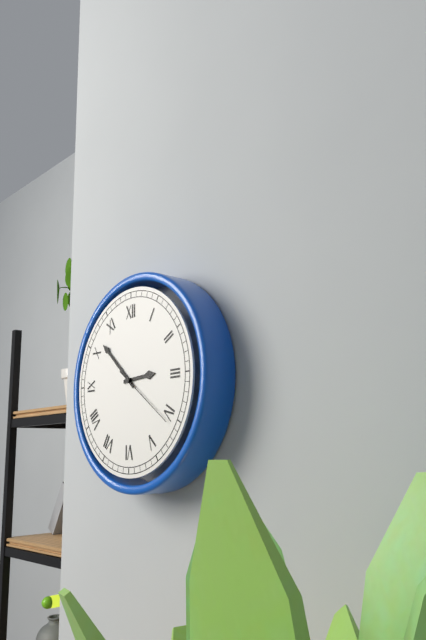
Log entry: {"hour": 2, "minute": 52, "second": 21}
